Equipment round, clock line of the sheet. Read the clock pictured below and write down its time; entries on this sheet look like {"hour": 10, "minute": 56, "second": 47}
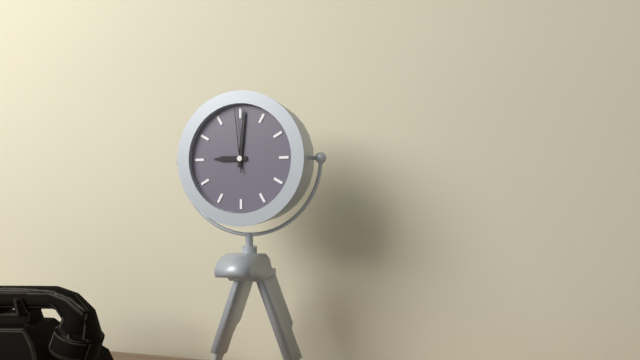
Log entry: {"hour": 9, "minute": 1, "second": 59}
